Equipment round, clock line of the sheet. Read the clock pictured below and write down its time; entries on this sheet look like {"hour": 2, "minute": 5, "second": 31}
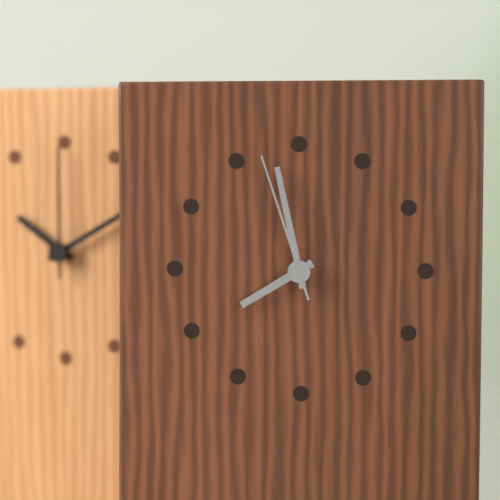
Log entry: {"hour": 7, "minute": 58, "second": 57}
